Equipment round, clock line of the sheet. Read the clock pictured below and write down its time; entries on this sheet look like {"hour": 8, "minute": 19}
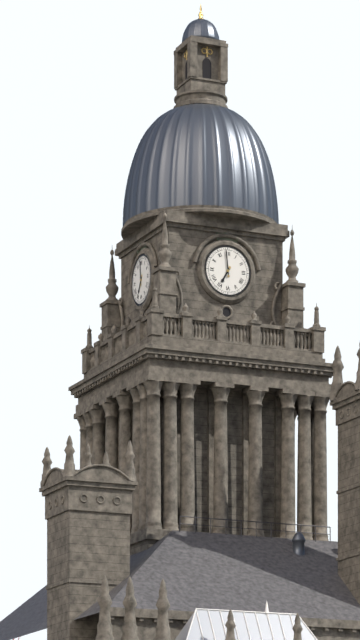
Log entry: {"hour": 6, "minute": 59}
